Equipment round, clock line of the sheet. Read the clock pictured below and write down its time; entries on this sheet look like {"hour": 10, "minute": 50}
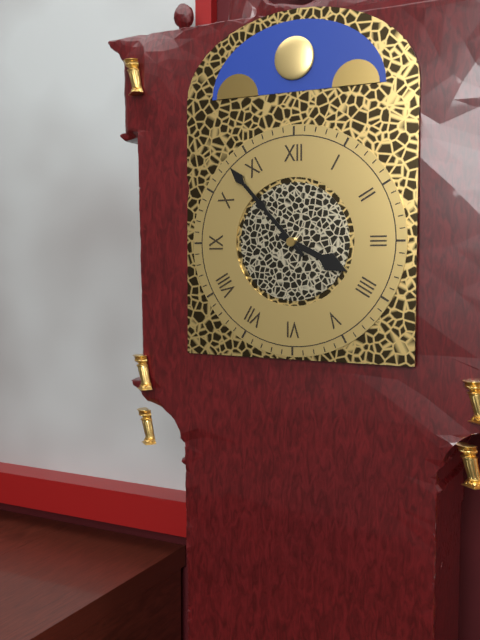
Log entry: {"hour": 3, "minute": 53}
